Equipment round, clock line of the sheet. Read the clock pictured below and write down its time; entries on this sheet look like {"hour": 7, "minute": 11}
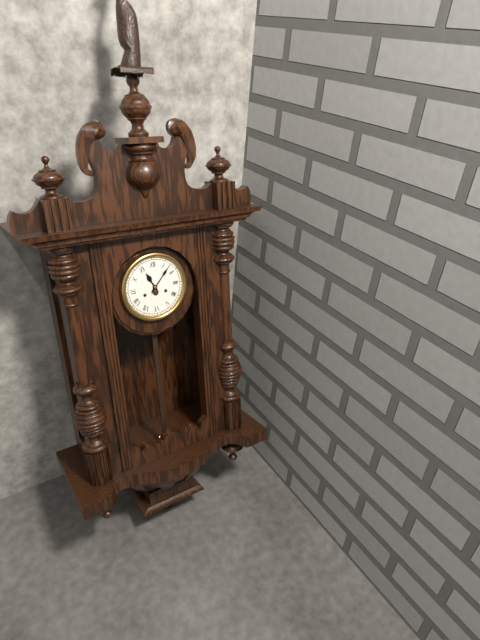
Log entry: {"hour": 11, "minute": 7}
